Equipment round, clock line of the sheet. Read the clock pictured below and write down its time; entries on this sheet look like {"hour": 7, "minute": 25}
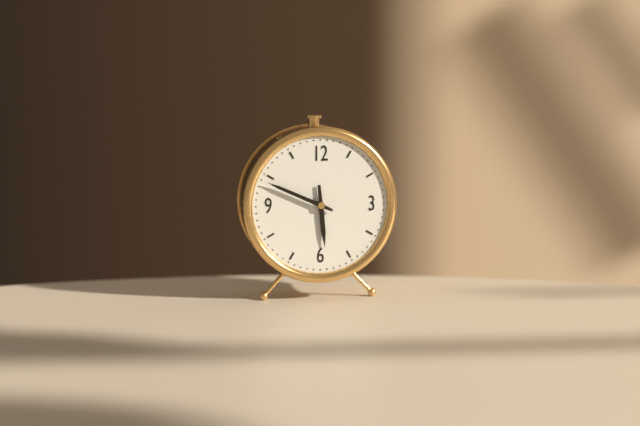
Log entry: {"hour": 5, "minute": 49}
